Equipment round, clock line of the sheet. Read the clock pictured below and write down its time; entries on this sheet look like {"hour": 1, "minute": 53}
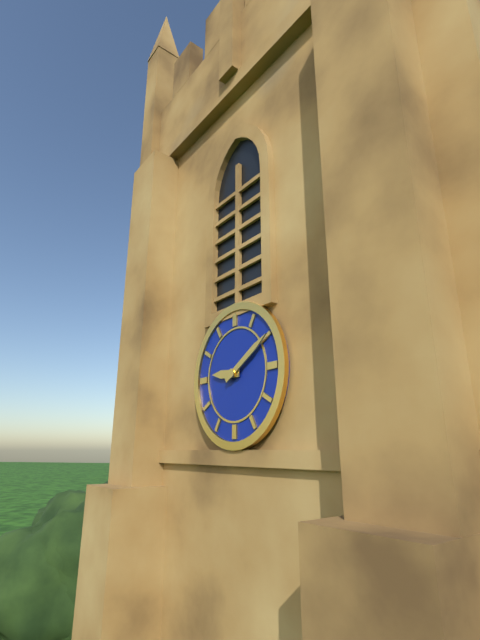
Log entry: {"hour": 9, "minute": 10}
